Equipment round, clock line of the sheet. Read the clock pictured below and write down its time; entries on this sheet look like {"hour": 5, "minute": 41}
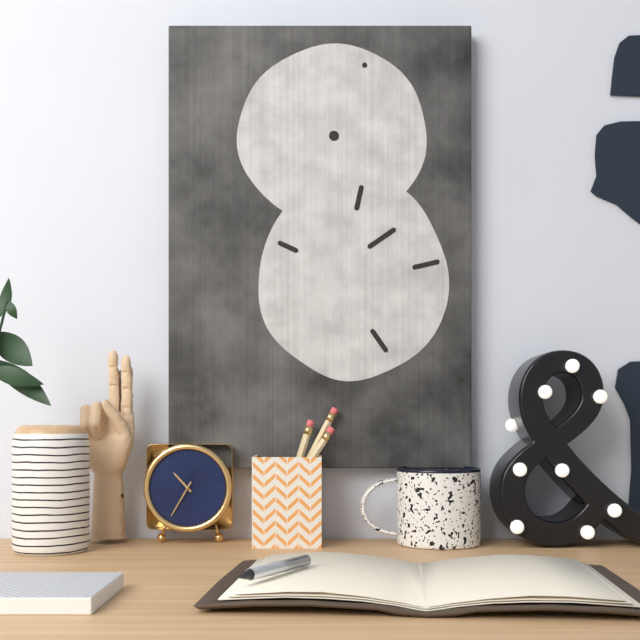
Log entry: {"hour": 10, "minute": 35}
